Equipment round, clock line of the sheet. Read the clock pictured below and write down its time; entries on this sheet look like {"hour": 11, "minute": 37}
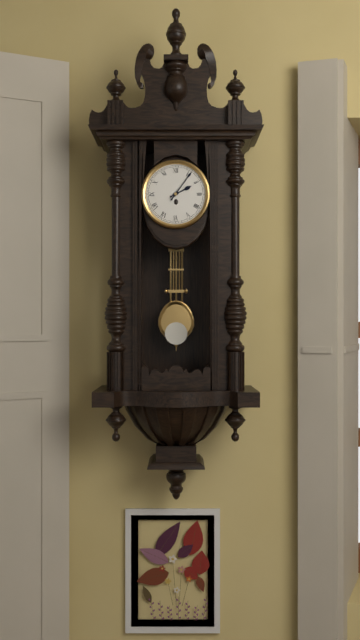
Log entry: {"hour": 2, "minute": 6}
